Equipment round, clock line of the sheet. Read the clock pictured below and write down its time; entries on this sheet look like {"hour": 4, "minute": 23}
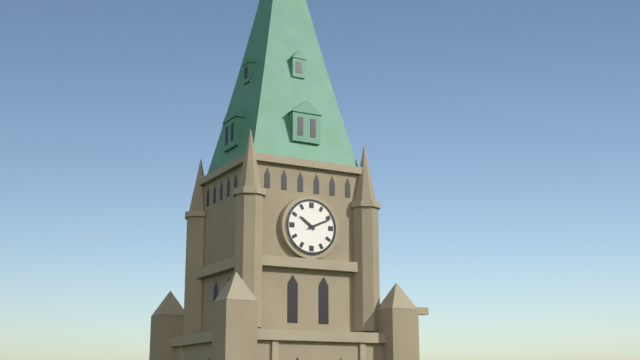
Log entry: {"hour": 10, "minute": 11}
